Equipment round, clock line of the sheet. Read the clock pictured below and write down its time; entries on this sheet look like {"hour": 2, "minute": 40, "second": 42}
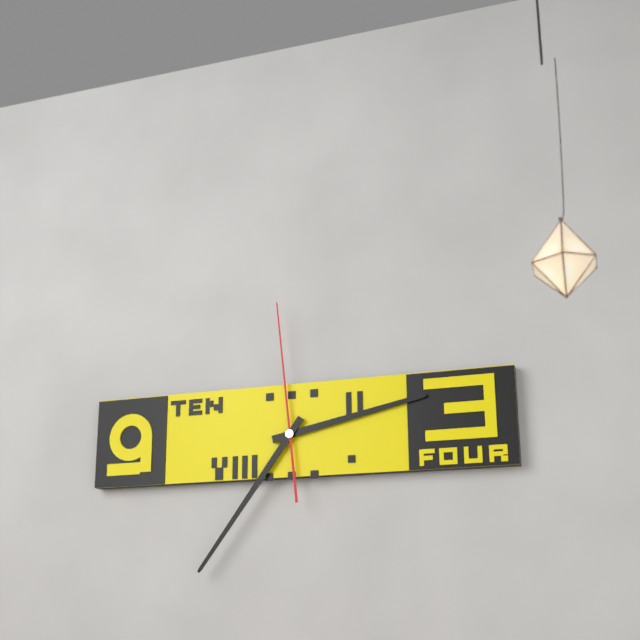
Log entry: {"hour": 2, "minute": 36, "second": 59}
